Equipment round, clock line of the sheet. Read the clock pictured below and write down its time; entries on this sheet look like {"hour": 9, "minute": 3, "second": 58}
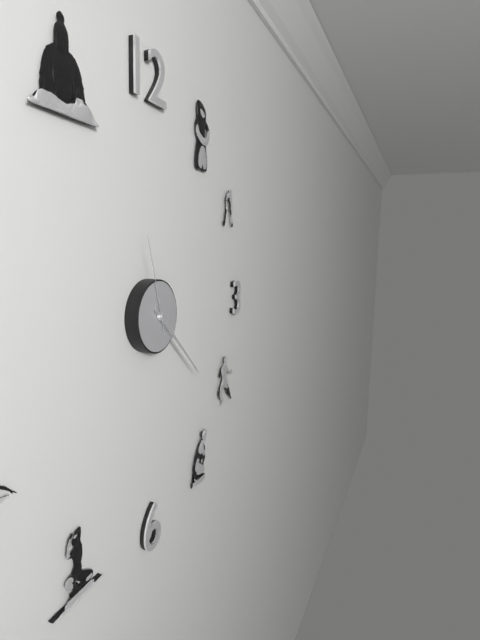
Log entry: {"hour": 4, "minute": 22, "second": 57}
